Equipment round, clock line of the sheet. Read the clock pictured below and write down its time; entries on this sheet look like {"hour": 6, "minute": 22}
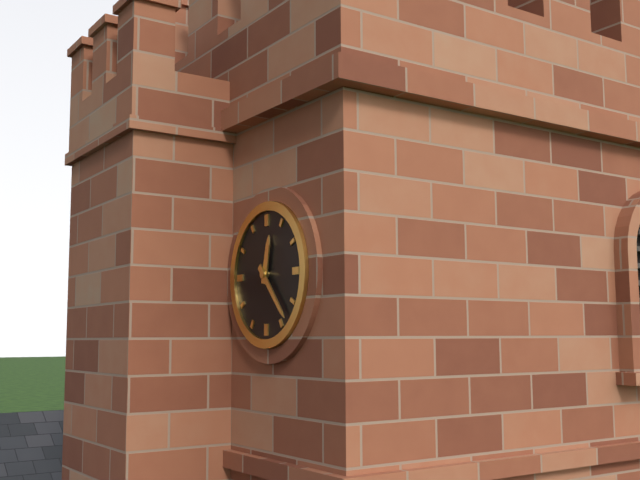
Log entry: {"hour": 12, "minute": 23}
